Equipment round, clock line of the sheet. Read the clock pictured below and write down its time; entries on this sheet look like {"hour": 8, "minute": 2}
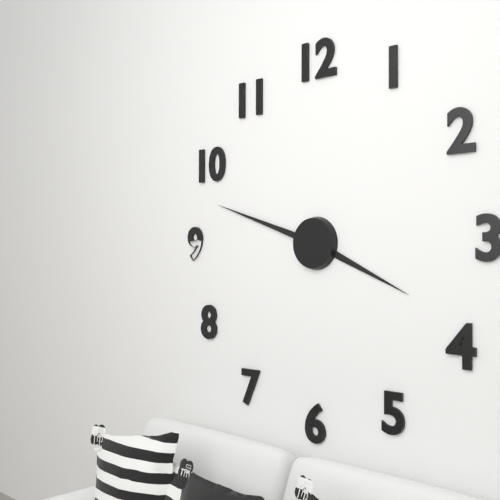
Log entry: {"hour": 3, "minute": 48}
